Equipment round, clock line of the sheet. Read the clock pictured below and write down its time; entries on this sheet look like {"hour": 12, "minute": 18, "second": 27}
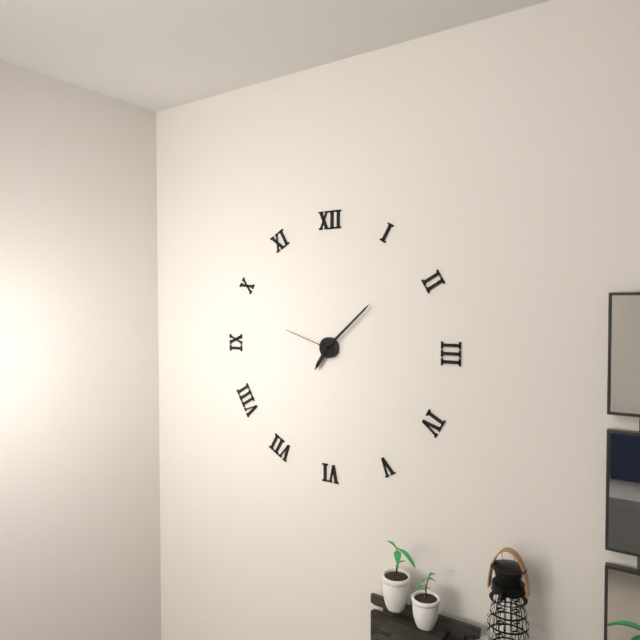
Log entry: {"hour": 7, "minute": 8, "second": 48}
